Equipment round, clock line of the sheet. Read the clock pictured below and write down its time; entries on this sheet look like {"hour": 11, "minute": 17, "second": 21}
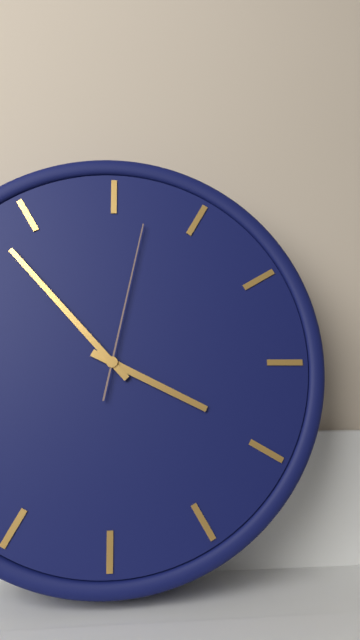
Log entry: {"hour": 3, "minute": 53, "second": 2}
